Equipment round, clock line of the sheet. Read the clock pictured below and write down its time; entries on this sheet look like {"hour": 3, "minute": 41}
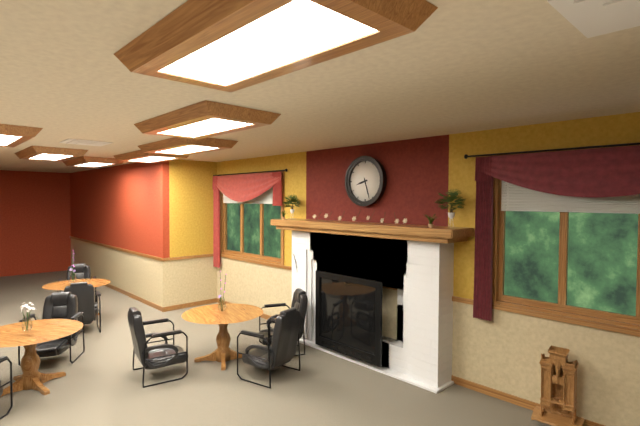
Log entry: {"hour": 8, "minute": 27}
